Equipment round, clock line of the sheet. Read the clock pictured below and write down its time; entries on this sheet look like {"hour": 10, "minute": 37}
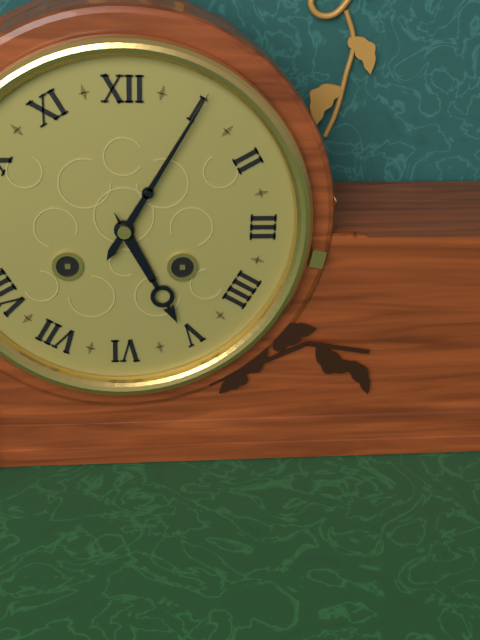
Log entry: {"hour": 5, "minute": 5}
